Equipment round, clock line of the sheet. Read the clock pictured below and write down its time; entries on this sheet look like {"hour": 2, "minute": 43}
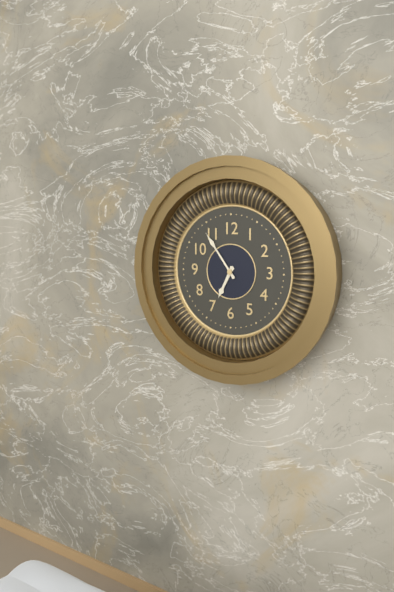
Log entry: {"hour": 6, "minute": 54}
